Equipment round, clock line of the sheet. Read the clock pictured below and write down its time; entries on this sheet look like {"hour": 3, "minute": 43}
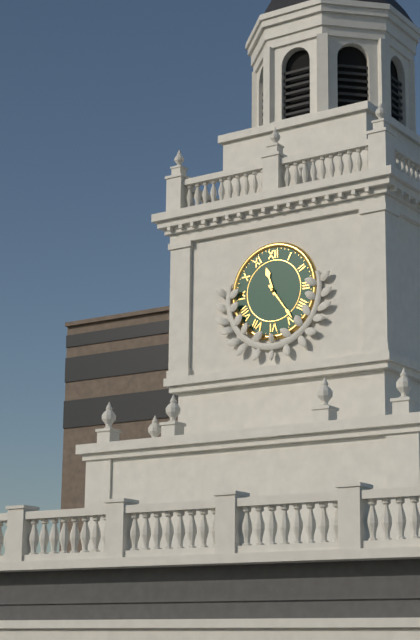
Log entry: {"hour": 11, "minute": 24}
